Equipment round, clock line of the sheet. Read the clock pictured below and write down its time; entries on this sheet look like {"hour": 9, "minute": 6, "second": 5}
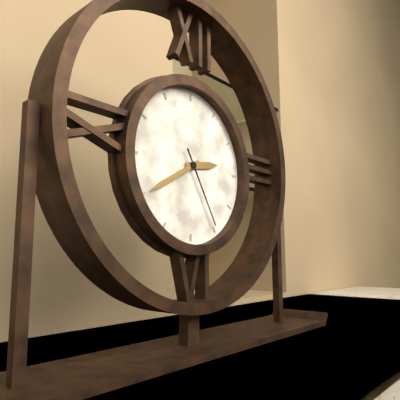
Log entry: {"hour": 2, "minute": 40, "second": 25}
